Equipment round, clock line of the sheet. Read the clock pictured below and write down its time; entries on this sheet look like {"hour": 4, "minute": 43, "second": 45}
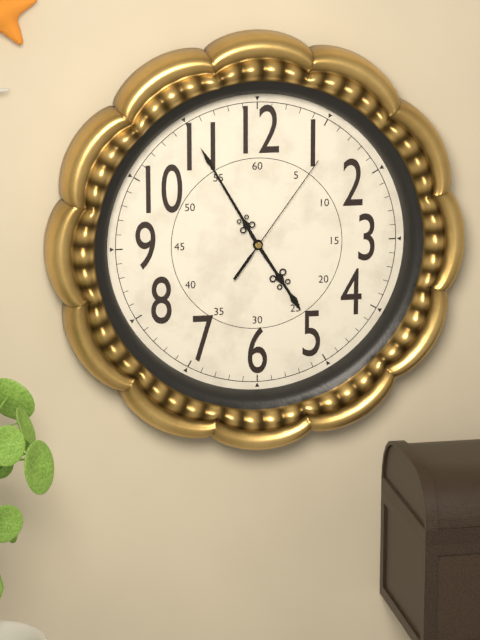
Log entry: {"hour": 4, "minute": 55, "second": 6}
